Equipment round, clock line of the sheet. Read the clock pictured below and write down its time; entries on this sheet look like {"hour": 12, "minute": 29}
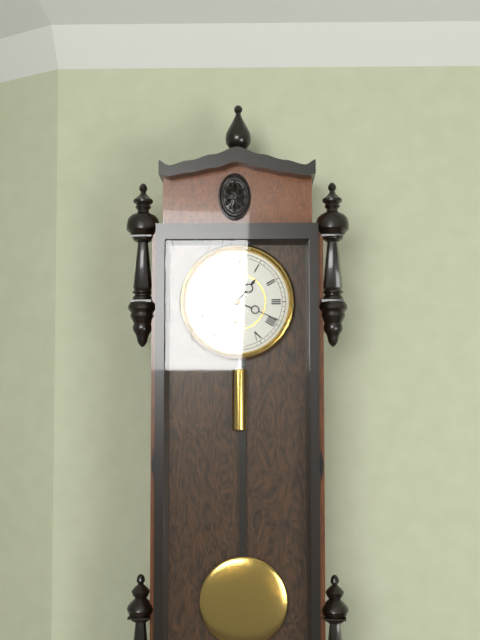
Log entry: {"hour": 1, "minute": 19}
